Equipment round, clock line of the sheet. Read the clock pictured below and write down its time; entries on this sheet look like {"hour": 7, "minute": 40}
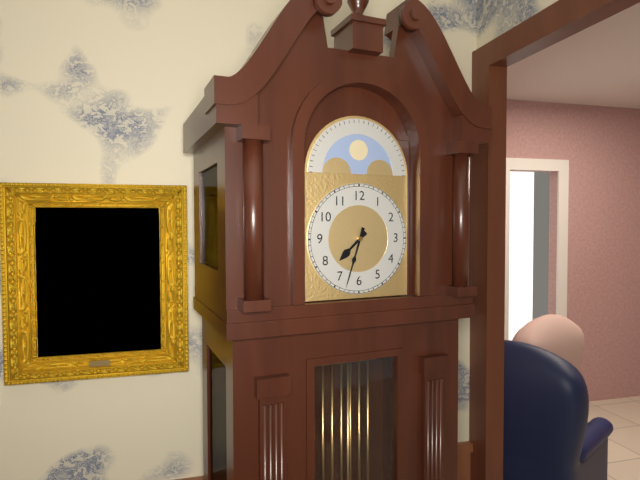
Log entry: {"hour": 7, "minute": 33}
